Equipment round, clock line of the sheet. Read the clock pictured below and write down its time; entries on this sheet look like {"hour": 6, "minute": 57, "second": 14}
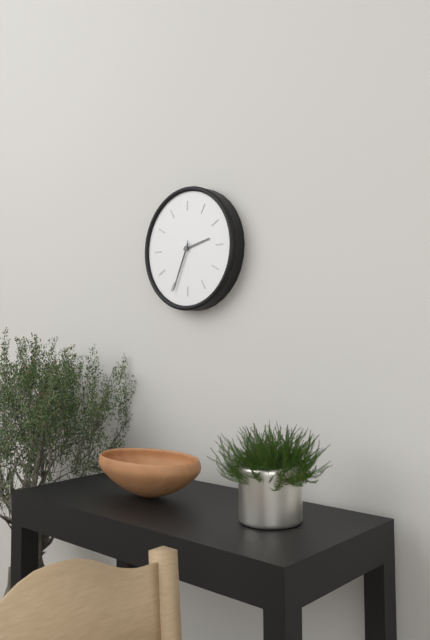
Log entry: {"hour": 2, "minute": 34, "second": 34}
